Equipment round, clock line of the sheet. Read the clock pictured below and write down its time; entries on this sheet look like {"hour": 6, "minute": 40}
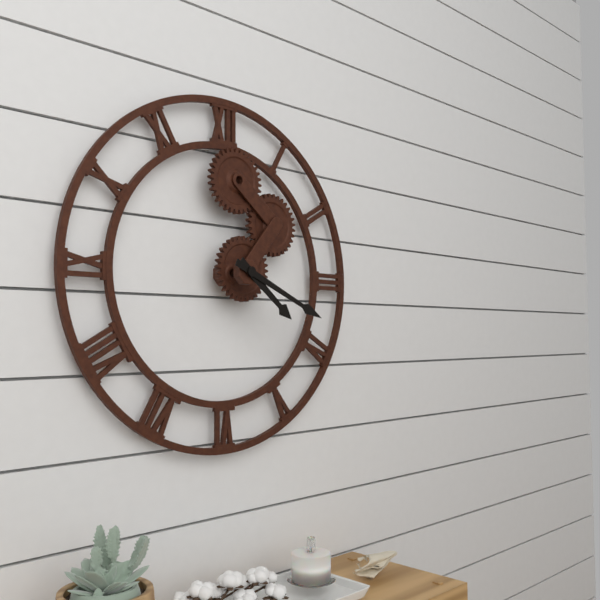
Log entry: {"hour": 4, "minute": 19}
